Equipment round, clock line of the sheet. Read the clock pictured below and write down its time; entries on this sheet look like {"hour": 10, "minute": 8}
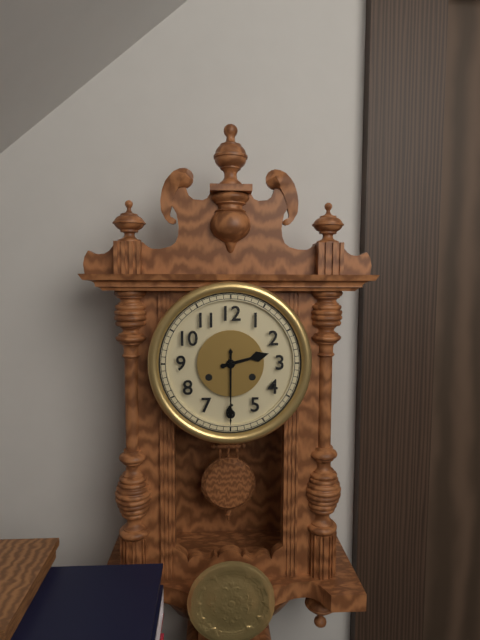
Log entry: {"hour": 2, "minute": 30}
